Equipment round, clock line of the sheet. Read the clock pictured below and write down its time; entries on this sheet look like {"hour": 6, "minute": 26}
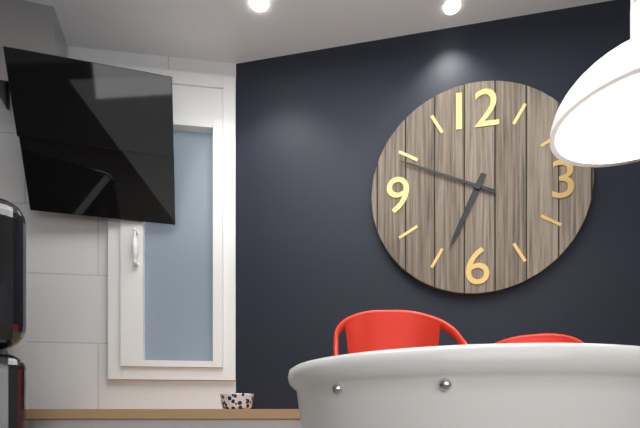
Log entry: {"hour": 6, "minute": 49}
